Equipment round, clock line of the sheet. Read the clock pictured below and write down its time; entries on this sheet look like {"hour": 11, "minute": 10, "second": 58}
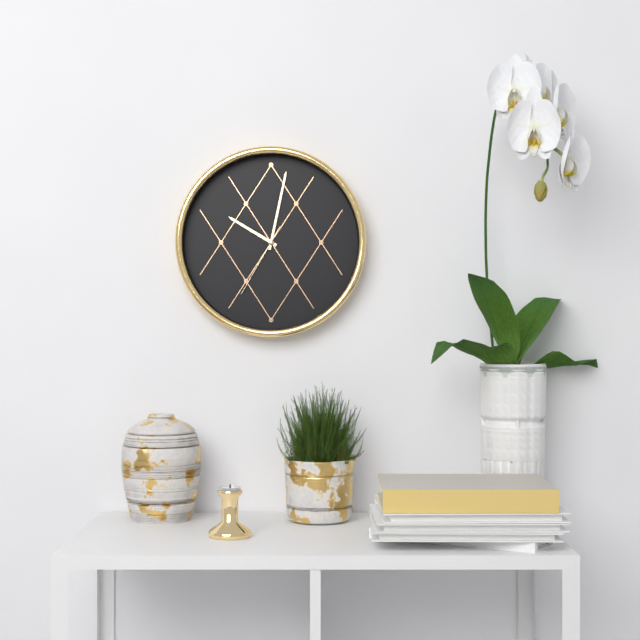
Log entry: {"hour": 10, "minute": 2, "second": 35}
